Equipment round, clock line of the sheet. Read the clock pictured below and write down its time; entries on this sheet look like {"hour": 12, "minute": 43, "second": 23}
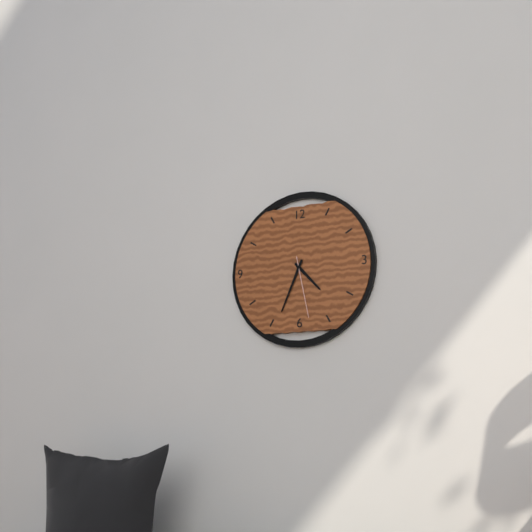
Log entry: {"hour": 4, "minute": 34, "second": 28}
